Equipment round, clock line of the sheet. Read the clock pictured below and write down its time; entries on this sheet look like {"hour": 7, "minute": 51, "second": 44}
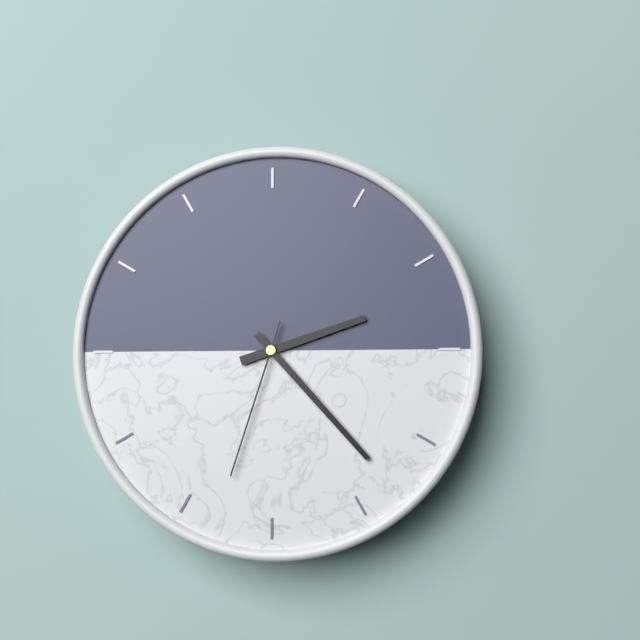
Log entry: {"hour": 2, "minute": 23, "second": 33}
